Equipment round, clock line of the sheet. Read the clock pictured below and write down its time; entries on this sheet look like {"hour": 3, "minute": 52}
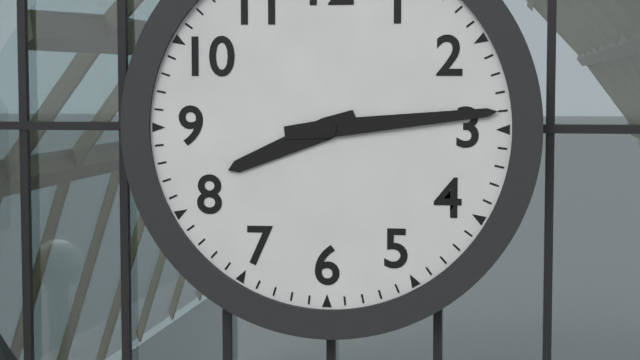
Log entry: {"hour": 8, "minute": 14}
